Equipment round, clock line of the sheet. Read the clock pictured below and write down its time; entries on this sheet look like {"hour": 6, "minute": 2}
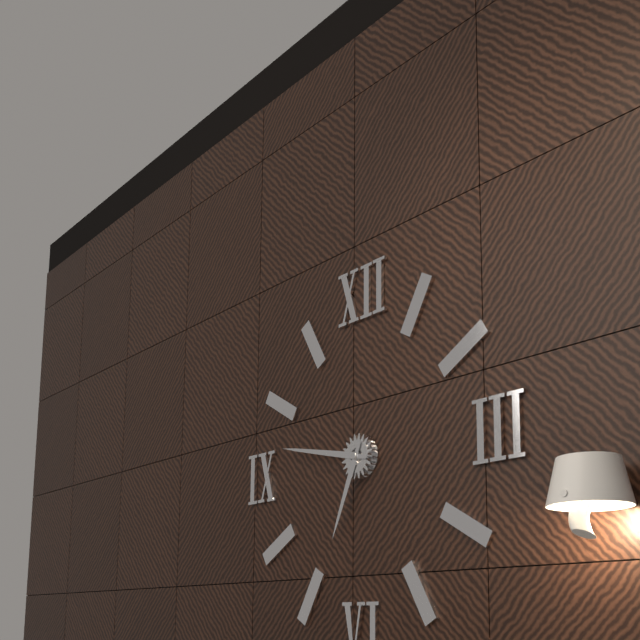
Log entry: {"hour": 6, "minute": 47}
